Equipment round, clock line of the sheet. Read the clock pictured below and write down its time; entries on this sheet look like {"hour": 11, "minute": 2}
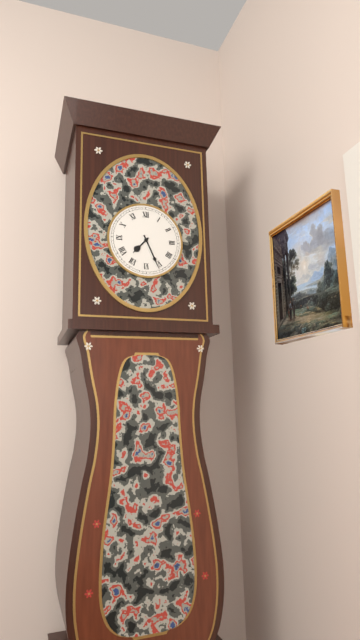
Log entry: {"hour": 7, "minute": 26}
